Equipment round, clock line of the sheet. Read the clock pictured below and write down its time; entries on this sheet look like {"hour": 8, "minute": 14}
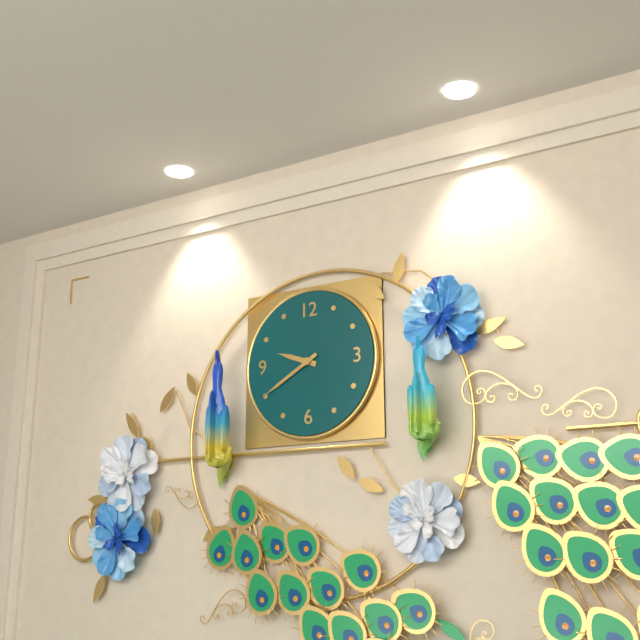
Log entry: {"hour": 9, "minute": 40}
